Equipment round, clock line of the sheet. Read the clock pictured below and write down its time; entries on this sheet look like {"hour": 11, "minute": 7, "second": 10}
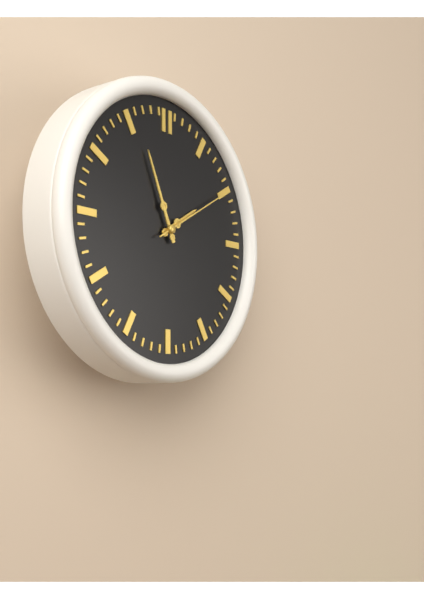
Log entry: {"hour": 1, "minute": 56, "second": 10}
